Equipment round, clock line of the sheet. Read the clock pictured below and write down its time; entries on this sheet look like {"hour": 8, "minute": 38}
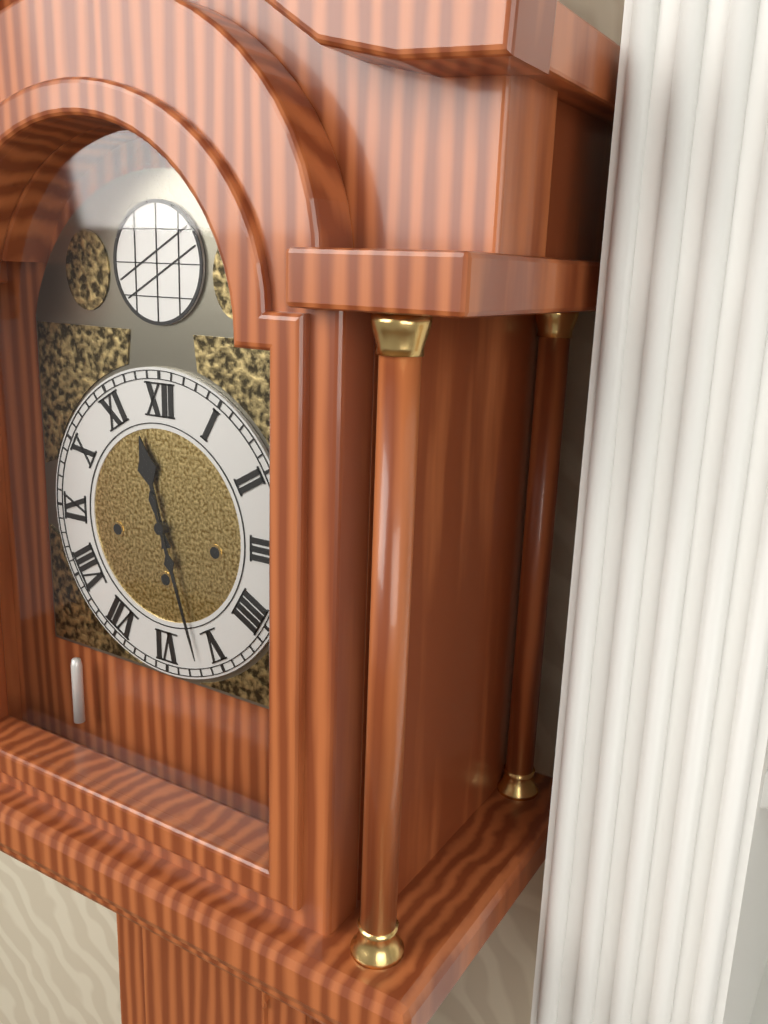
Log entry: {"hour": 11, "minute": 27}
